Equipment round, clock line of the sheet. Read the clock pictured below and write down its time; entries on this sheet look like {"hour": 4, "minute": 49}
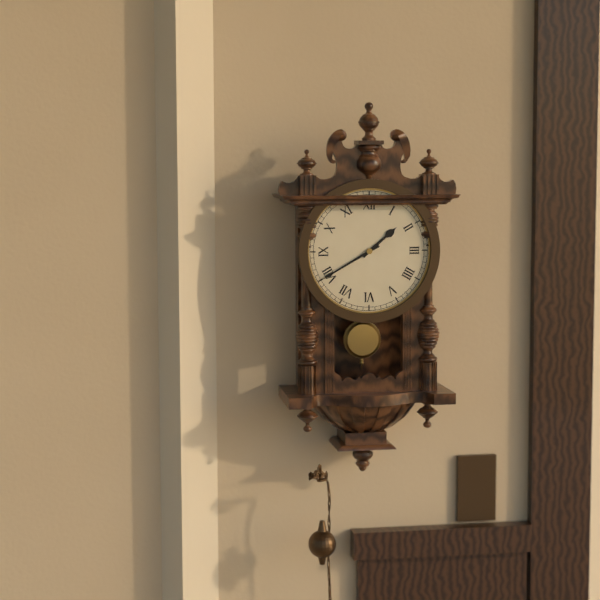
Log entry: {"hour": 1, "minute": 40}
